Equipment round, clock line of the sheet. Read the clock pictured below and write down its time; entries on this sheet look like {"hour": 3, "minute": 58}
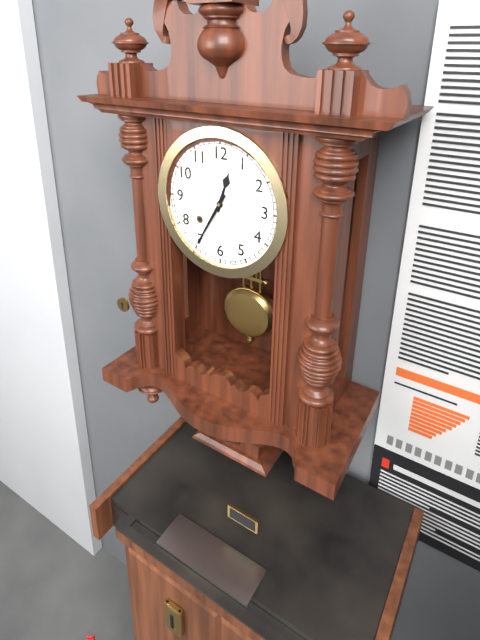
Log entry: {"hour": 12, "minute": 35}
